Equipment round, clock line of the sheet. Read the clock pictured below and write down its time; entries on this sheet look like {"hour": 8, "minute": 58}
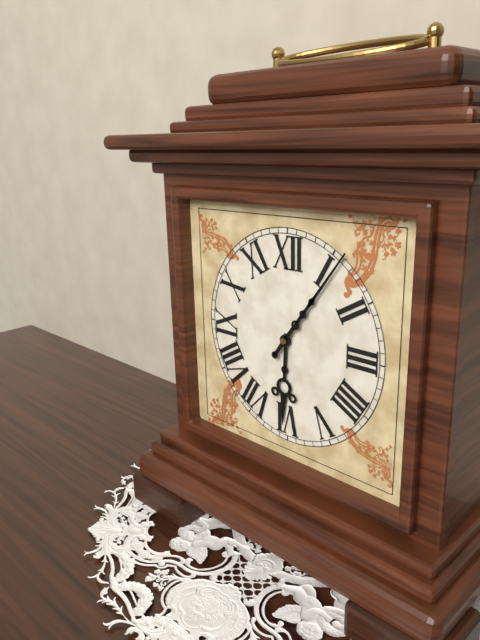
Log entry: {"hour": 6, "minute": 6}
